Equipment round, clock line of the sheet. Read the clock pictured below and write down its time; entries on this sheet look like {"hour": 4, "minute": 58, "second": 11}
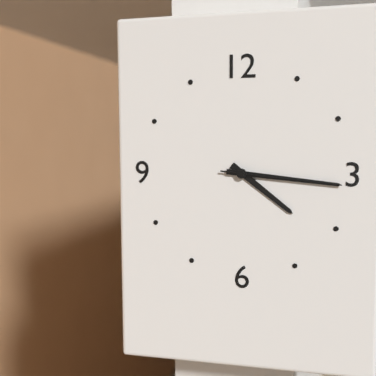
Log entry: {"hour": 4, "minute": 16, "second": 16}
